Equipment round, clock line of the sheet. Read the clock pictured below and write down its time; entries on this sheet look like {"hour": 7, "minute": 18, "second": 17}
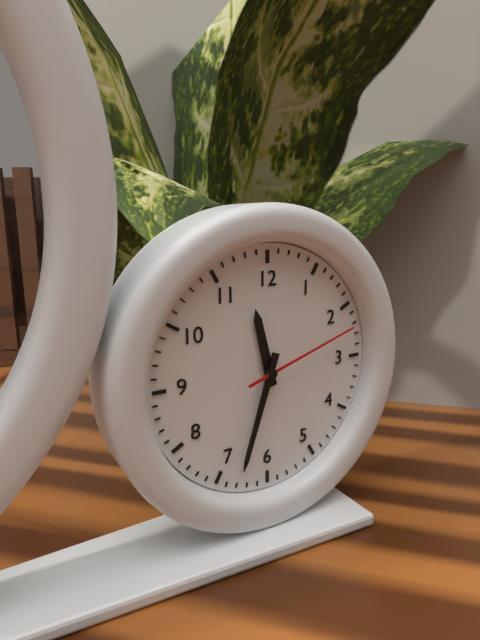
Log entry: {"hour": 11, "minute": 33, "second": 12}
